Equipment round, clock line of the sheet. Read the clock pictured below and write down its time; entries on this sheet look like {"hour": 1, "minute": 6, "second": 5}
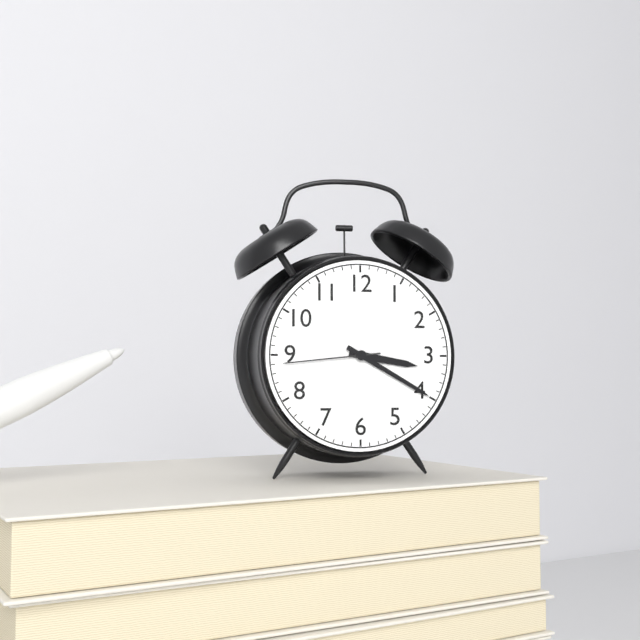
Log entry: {"hour": 3, "minute": 20, "second": 44}
